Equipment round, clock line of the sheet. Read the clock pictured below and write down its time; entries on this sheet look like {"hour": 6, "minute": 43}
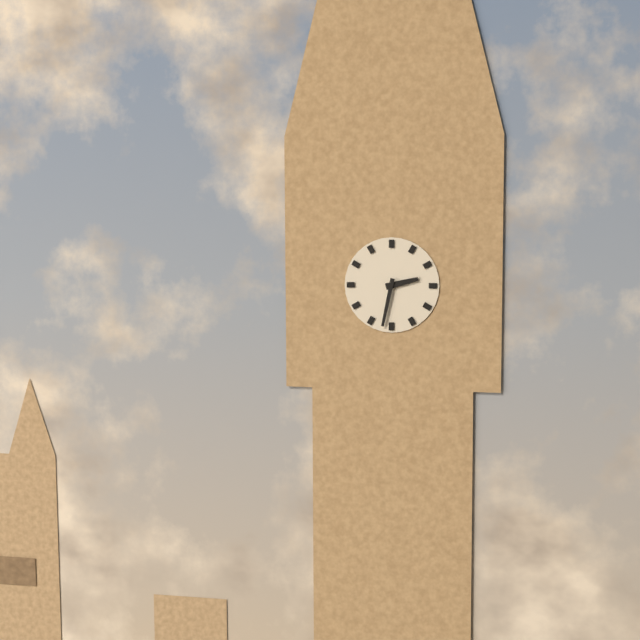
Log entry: {"hour": 2, "minute": 32}
